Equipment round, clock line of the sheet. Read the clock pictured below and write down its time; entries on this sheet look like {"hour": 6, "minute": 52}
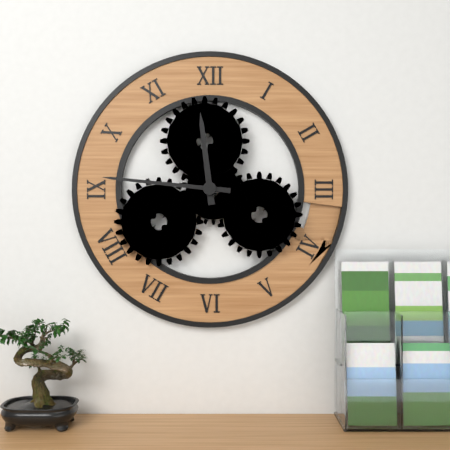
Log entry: {"hour": 11, "minute": 46}
